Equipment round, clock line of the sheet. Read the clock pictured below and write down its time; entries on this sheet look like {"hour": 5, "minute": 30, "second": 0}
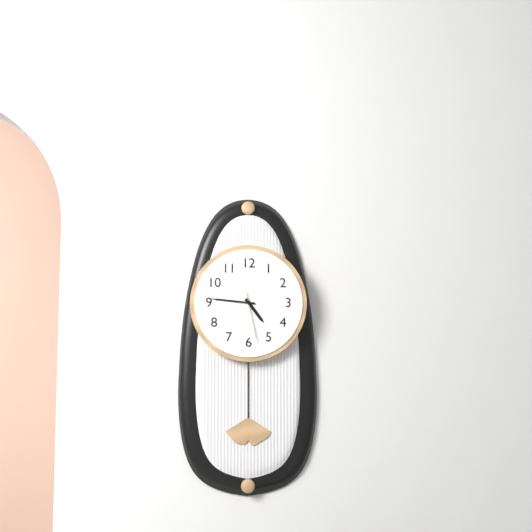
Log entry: {"hour": 4, "minute": 46, "second": 28}
